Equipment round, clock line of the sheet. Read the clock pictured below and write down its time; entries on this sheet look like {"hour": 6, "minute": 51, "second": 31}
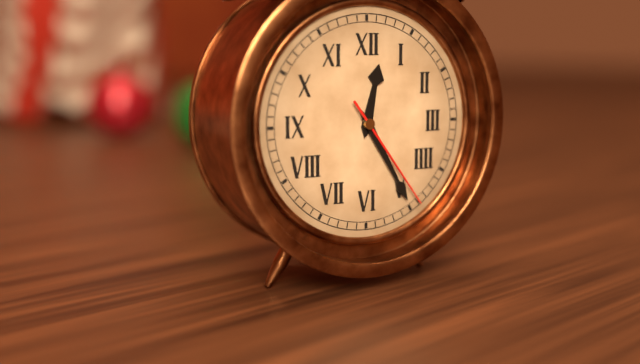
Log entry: {"hour": 12, "minute": 25, "second": 24}
